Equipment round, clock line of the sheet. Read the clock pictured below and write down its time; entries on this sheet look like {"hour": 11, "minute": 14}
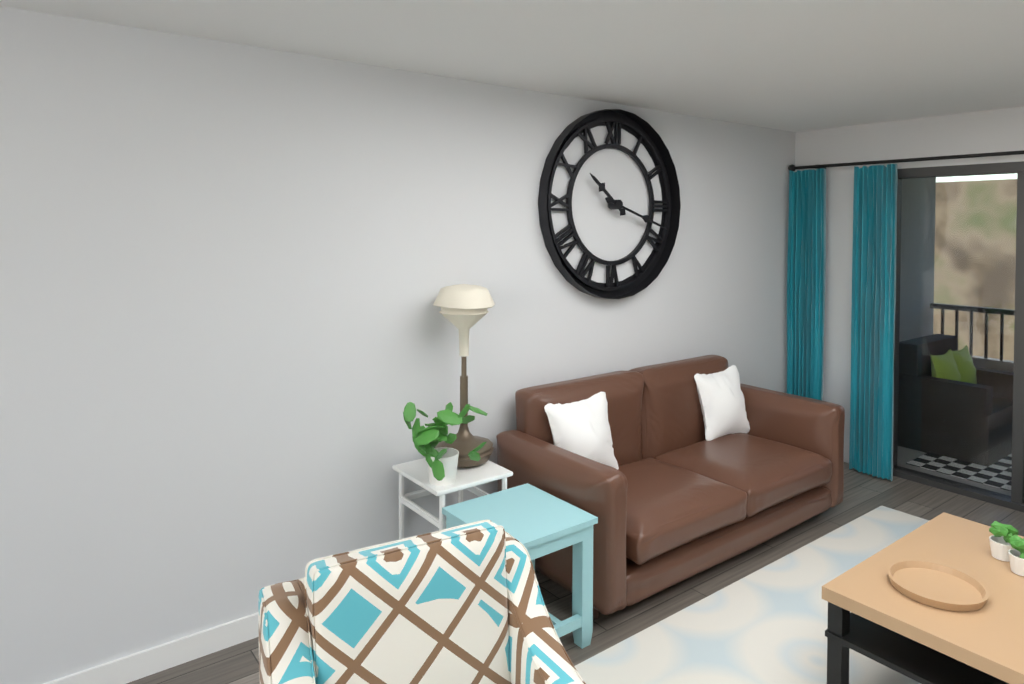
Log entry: {"hour": 10, "minute": 18}
